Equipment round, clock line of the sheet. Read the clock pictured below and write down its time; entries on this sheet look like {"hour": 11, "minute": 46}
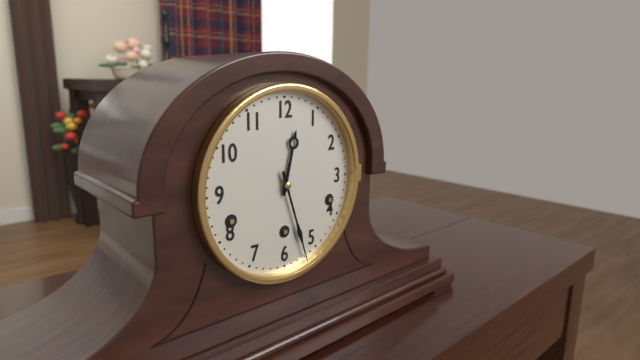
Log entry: {"hour": 12, "minute": 27}
